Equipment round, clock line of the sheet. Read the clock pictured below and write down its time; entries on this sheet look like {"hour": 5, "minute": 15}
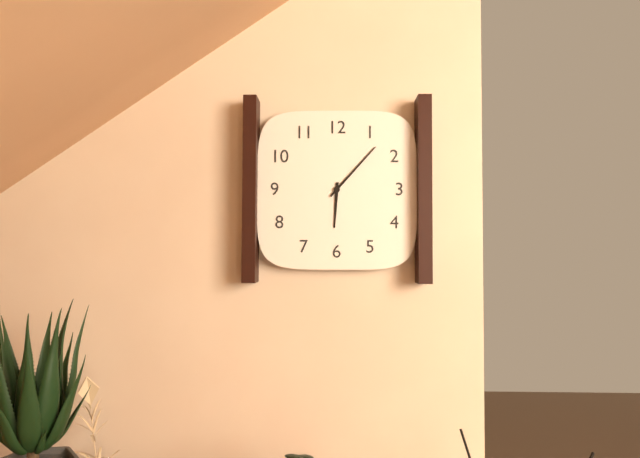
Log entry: {"hour": 6, "minute": 7}
